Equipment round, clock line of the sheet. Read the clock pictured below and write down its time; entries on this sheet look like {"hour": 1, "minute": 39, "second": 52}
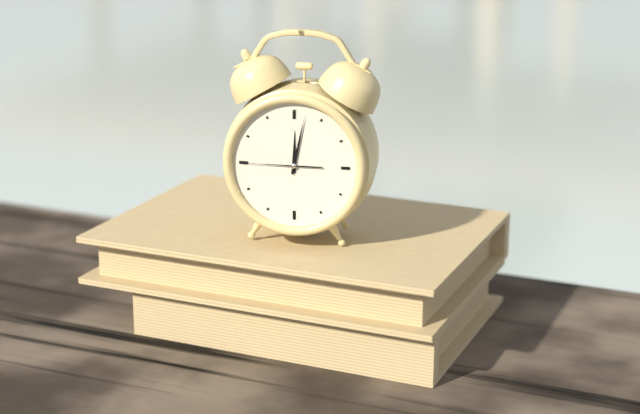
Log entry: {"hour": 12, "minute": 2, "second": 45}
